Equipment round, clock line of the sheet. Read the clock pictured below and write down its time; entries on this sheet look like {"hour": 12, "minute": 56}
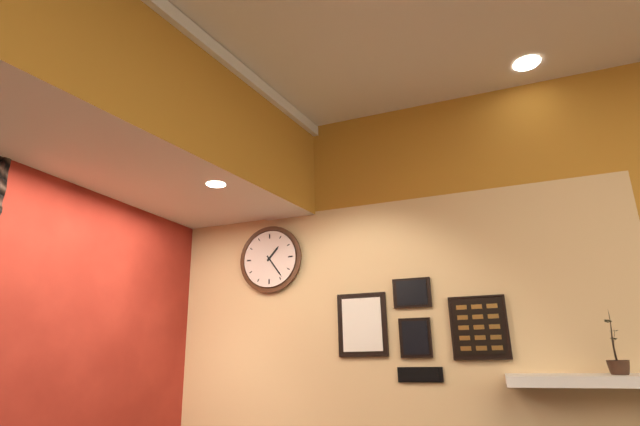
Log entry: {"hour": 1, "minute": 24}
